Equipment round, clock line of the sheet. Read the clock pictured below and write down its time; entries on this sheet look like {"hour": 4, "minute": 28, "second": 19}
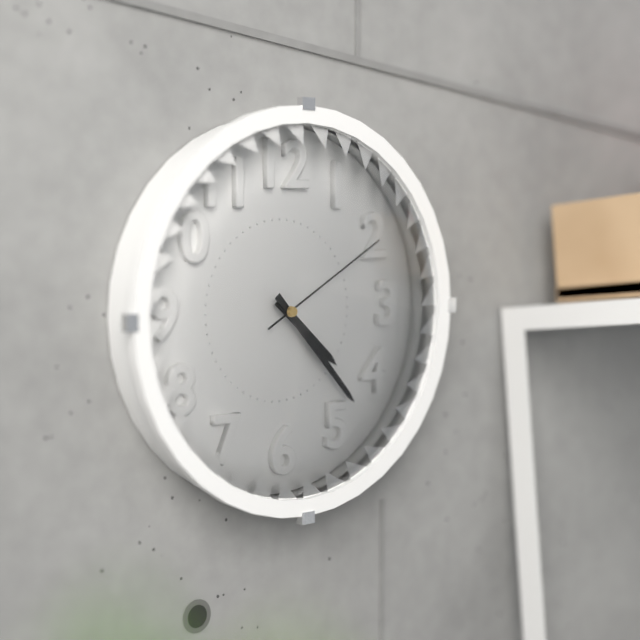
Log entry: {"hour": 4, "minute": 23, "second": 10}
